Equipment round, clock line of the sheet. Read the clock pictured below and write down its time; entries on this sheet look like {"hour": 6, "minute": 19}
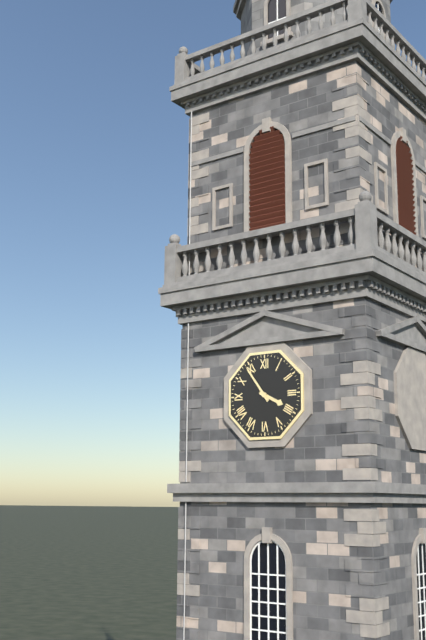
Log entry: {"hour": 3, "minute": 54}
